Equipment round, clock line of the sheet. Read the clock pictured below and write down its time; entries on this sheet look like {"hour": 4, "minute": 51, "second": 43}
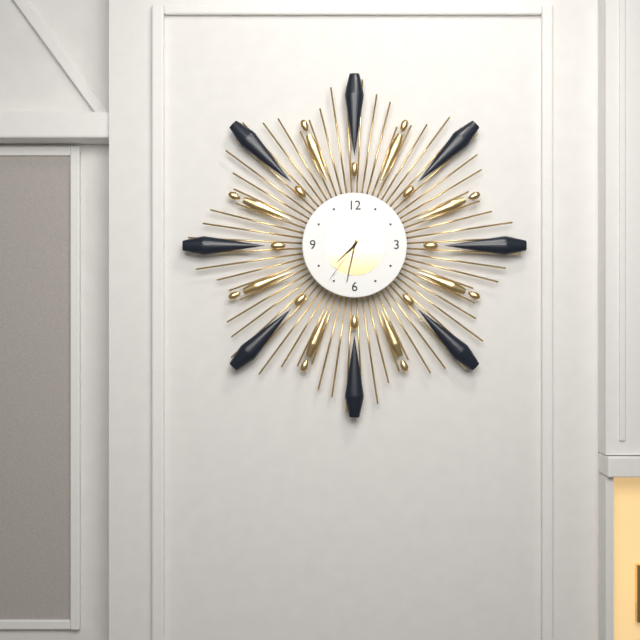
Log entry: {"hour": 7, "minute": 32, "second": 36}
